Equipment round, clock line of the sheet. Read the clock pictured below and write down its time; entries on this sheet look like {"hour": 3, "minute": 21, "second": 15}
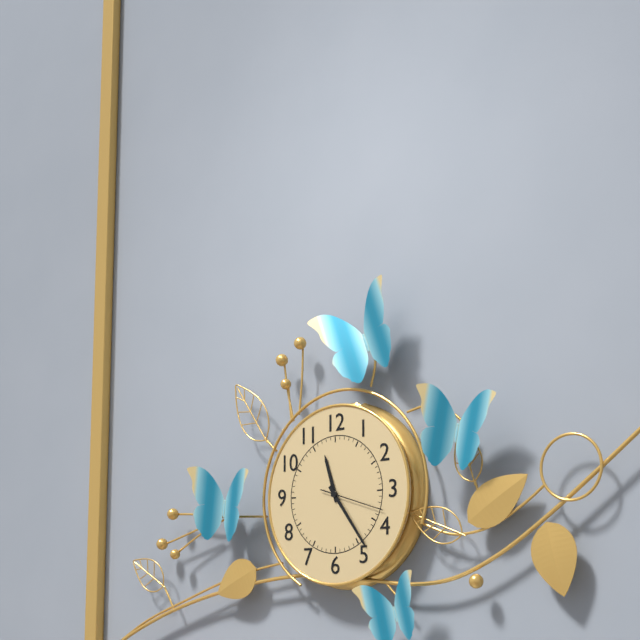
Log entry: {"hour": 11, "minute": 24, "second": 18}
